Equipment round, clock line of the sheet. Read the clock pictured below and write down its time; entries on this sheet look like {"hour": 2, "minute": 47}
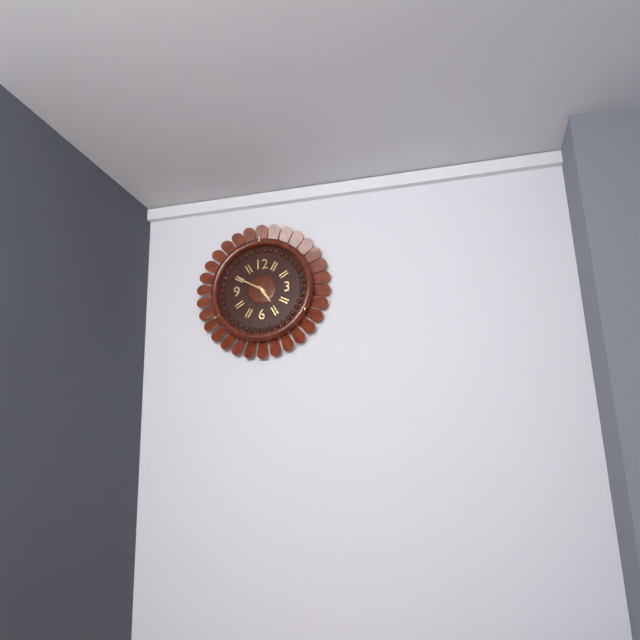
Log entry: {"hour": 4, "minute": 50}
